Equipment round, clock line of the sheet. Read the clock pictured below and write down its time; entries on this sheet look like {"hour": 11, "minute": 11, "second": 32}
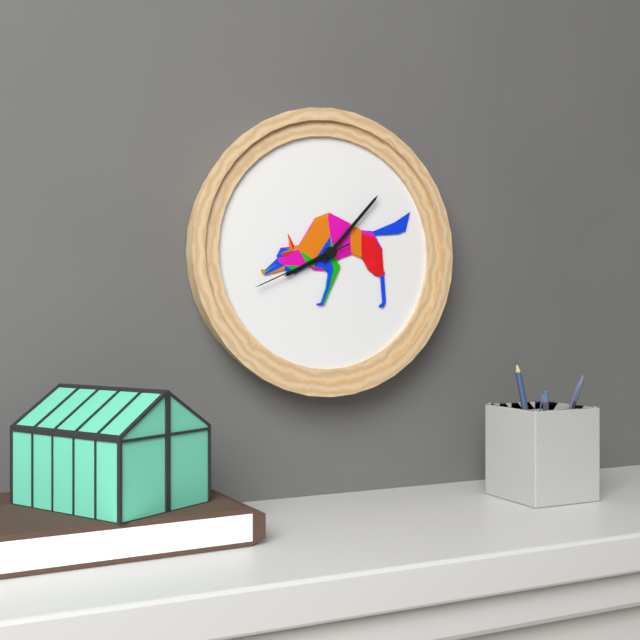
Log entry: {"hour": 8, "minute": 7, "second": 41}
